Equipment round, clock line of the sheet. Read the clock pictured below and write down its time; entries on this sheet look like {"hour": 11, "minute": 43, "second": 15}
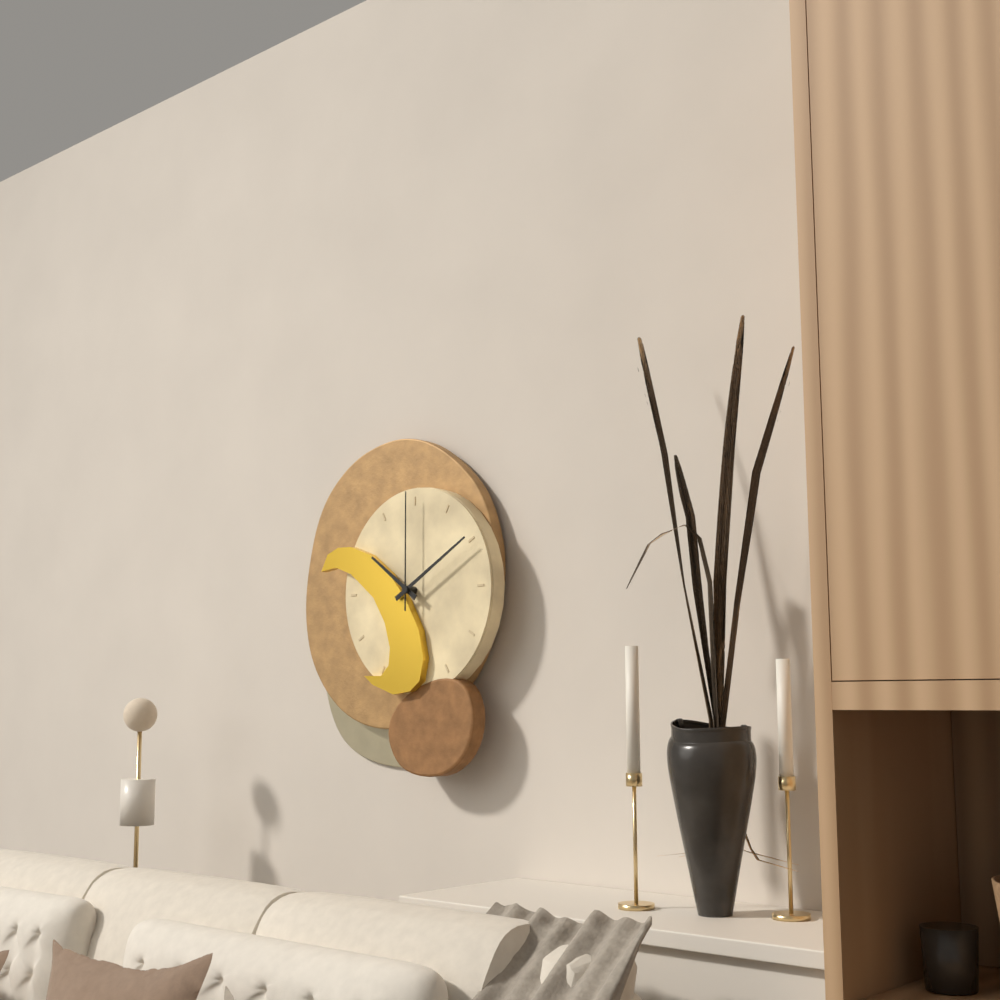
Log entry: {"hour": 10, "minute": 10, "second": 0}
